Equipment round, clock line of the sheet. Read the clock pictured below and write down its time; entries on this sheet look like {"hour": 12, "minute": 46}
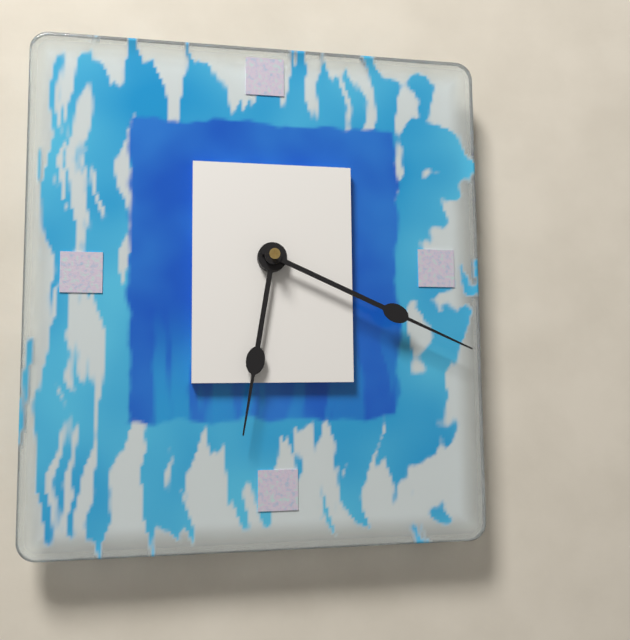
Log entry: {"hour": 6, "minute": 19}
